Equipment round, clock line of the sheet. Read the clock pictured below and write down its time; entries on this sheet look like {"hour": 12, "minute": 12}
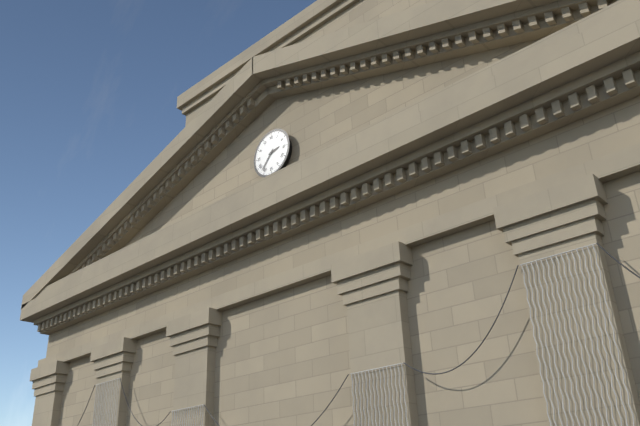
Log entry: {"hour": 2, "minute": 37}
